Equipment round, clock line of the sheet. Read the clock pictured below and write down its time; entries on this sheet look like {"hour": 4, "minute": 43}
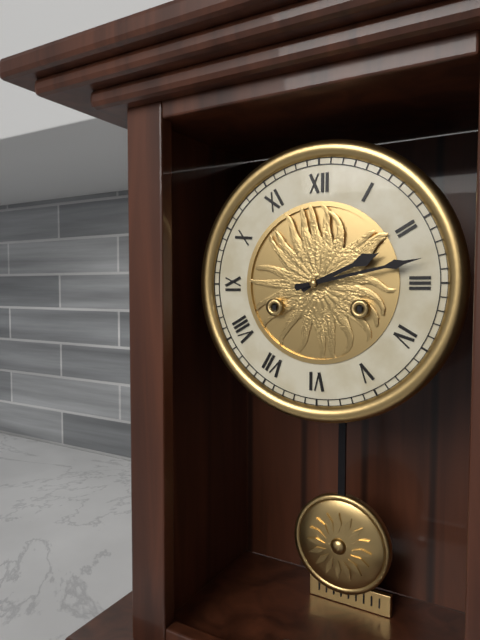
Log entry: {"hour": 2, "minute": 13}
